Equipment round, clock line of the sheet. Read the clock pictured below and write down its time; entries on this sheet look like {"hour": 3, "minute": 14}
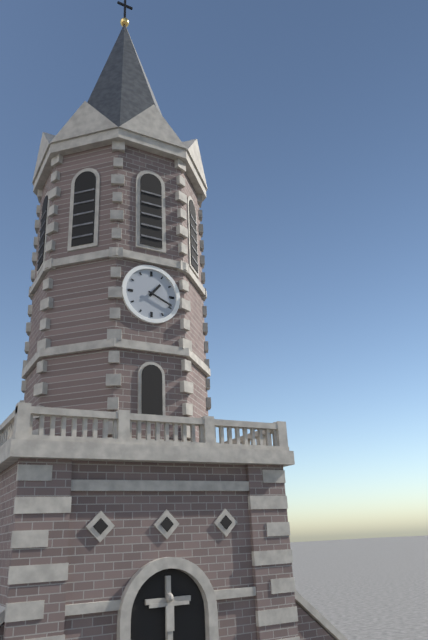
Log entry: {"hour": 1, "minute": 19}
